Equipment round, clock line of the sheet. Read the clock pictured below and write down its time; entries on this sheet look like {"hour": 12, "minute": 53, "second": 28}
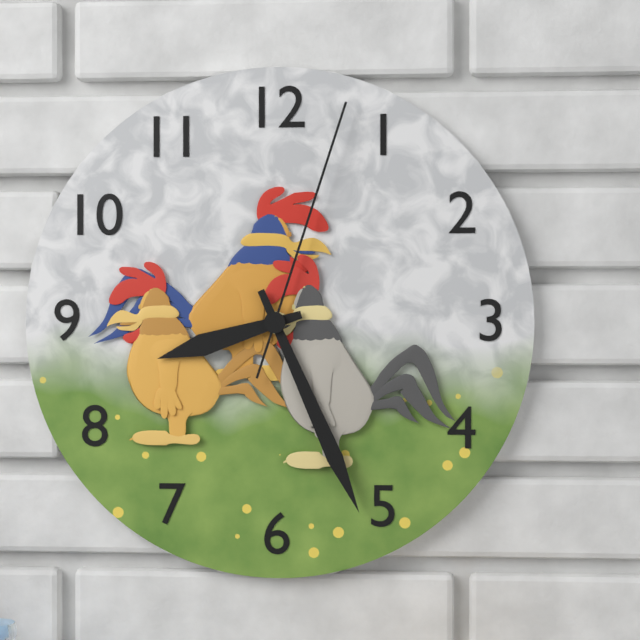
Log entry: {"hour": 8, "minute": 26, "second": 3}
